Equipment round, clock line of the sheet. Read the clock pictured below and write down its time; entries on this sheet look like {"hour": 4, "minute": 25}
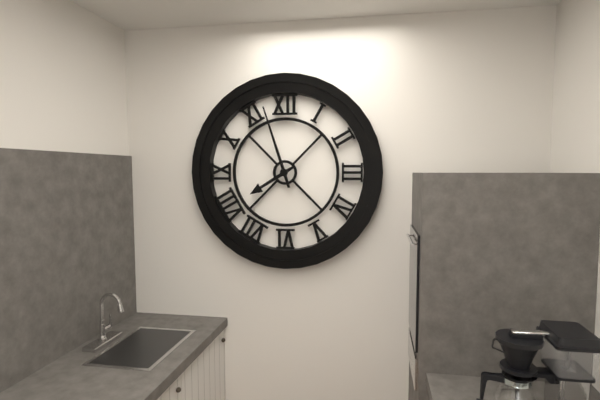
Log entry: {"hour": 7, "minute": 57}
